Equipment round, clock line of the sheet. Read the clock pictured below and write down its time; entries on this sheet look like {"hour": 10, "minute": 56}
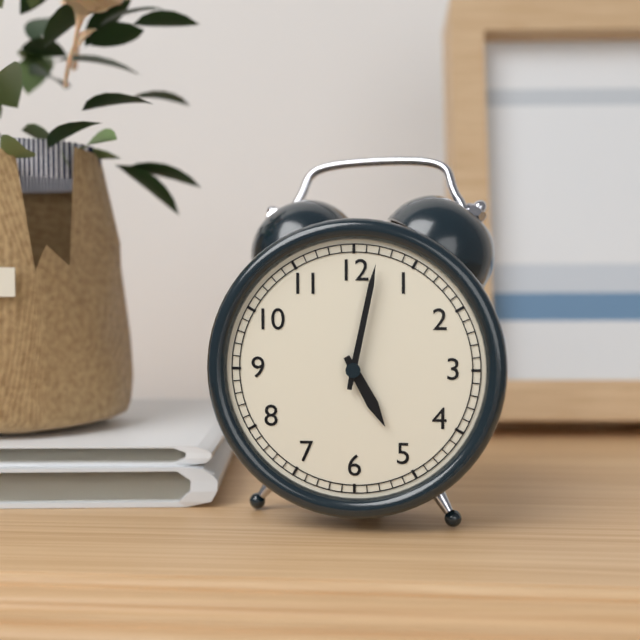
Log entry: {"hour": 5, "minute": 2}
